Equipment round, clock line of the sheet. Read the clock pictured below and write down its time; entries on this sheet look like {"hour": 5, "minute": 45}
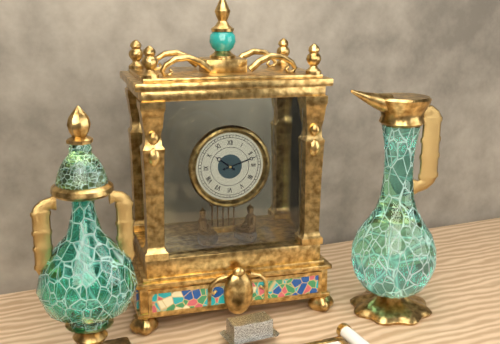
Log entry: {"hour": 10, "minute": 12}
